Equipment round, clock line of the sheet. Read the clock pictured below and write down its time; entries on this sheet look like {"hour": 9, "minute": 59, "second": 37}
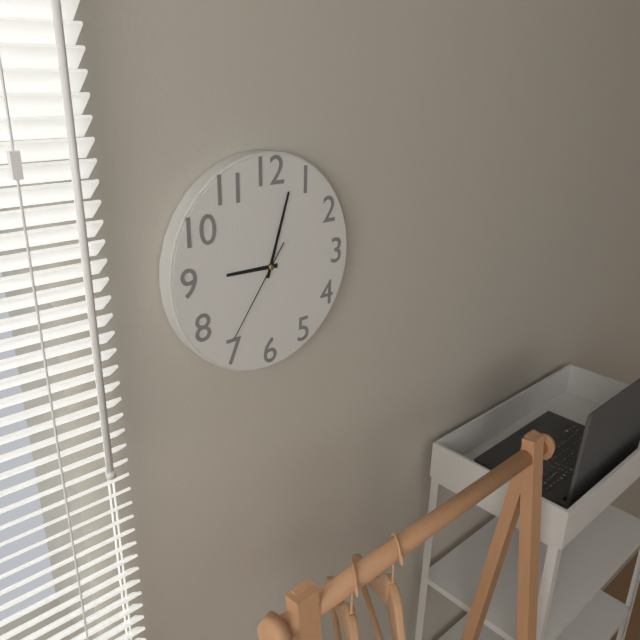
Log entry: {"hour": 9, "minute": 3, "second": 36}
